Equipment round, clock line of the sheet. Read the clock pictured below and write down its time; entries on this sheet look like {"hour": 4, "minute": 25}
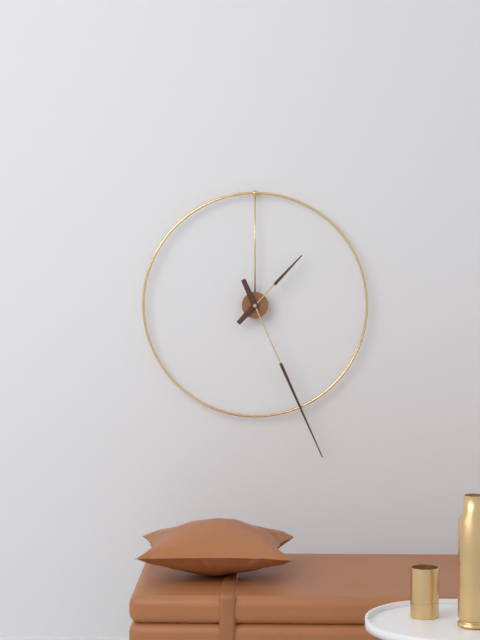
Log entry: {"hour": 1, "minute": 26}
